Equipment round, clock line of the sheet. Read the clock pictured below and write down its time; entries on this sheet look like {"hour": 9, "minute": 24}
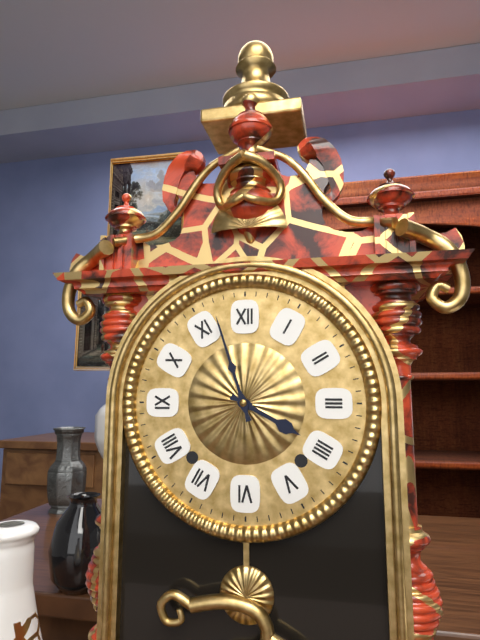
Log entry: {"hour": 3, "minute": 57}
